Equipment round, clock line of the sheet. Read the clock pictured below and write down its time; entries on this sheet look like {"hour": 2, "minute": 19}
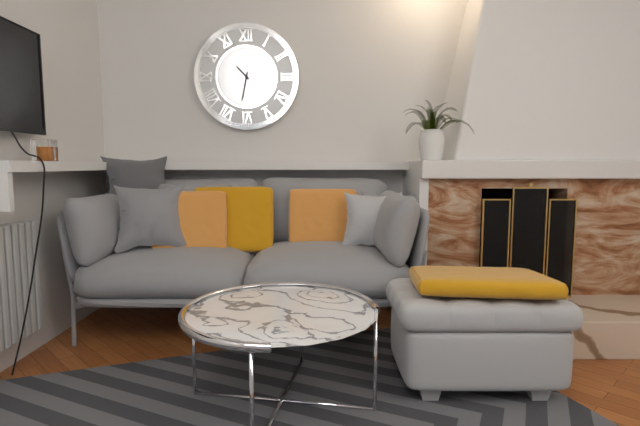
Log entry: {"hour": 10, "minute": 32}
